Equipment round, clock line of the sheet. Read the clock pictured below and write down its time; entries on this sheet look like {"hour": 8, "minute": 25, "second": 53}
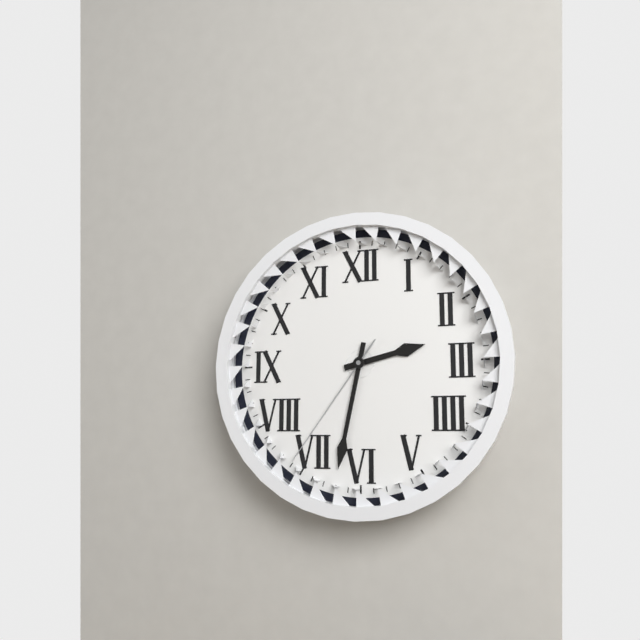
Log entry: {"hour": 2, "minute": 32, "second": 36}
